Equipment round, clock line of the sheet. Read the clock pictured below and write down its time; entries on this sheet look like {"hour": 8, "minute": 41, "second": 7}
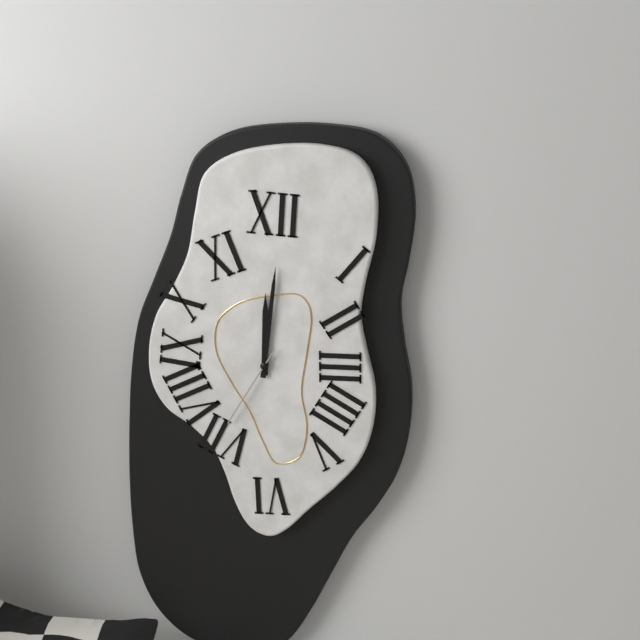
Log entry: {"hour": 12, "minute": 1, "second": 35}
